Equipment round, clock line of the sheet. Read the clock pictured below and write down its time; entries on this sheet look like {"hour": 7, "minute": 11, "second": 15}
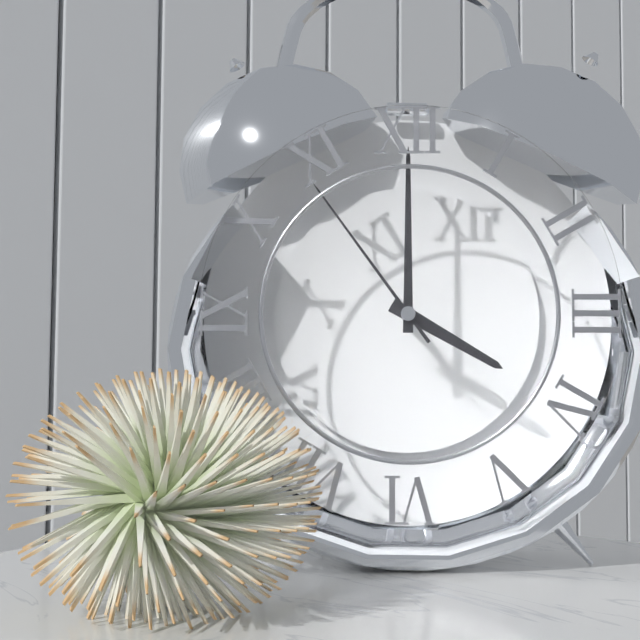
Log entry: {"hour": 4, "minute": 0, "second": 54}
